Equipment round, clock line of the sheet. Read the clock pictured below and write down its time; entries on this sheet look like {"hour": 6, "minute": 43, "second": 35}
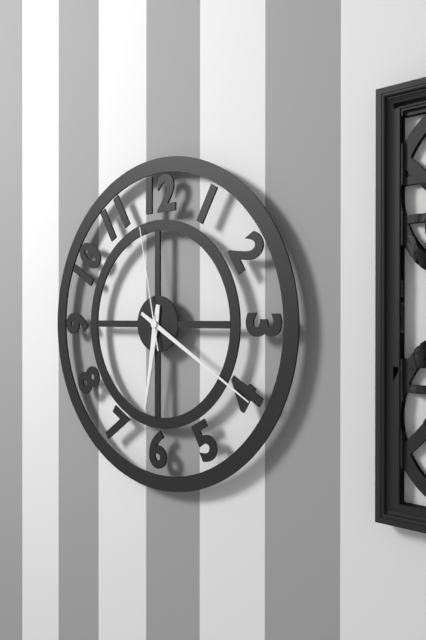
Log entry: {"hour": 6, "minute": 20, "second": 58}
